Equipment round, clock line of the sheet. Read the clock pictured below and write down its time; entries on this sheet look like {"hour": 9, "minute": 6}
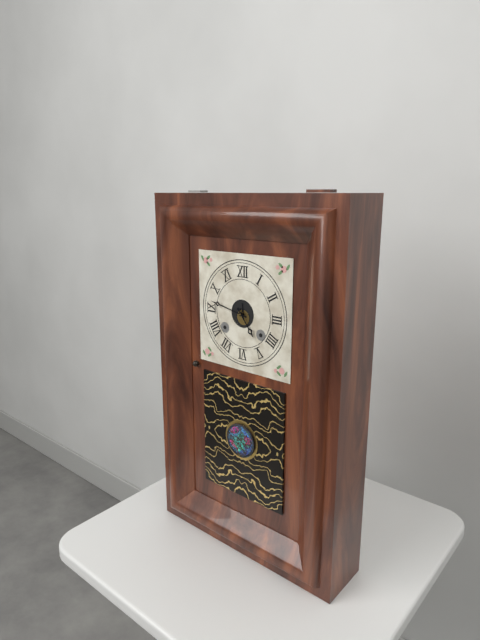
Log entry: {"hour": 4, "minute": 47}
